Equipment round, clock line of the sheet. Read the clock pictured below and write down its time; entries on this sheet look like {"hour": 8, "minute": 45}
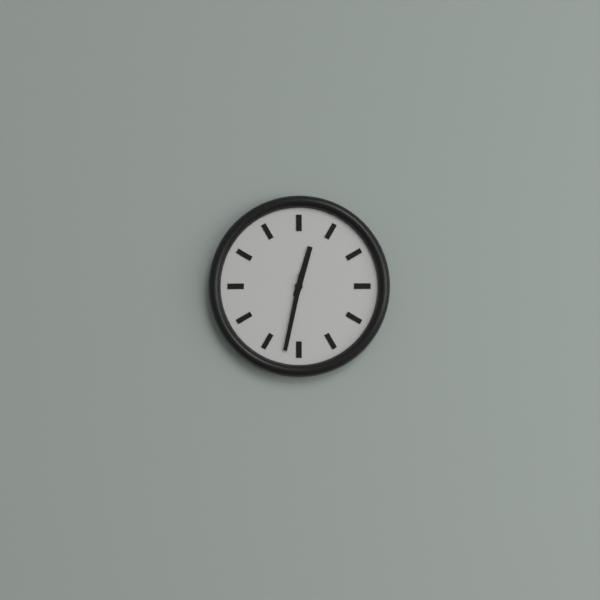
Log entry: {"hour": 12, "minute": 32}
